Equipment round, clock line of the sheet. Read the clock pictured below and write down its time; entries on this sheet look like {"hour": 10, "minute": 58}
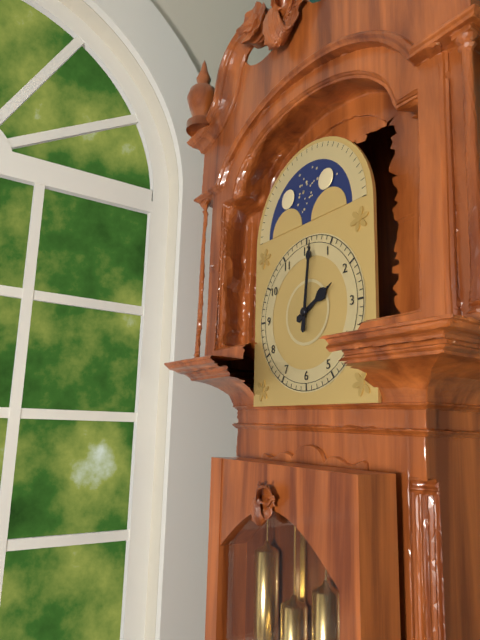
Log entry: {"hour": 2, "minute": 1}
